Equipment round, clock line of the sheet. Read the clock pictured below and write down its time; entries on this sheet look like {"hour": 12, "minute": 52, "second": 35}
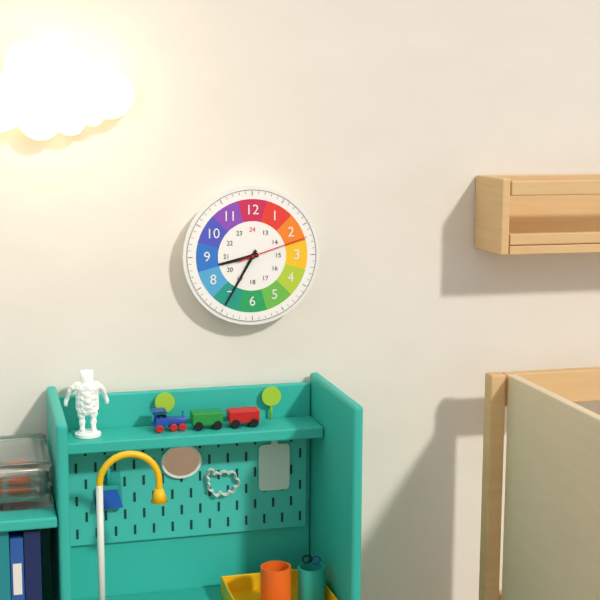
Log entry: {"hour": 8, "minute": 35, "second": 12}
